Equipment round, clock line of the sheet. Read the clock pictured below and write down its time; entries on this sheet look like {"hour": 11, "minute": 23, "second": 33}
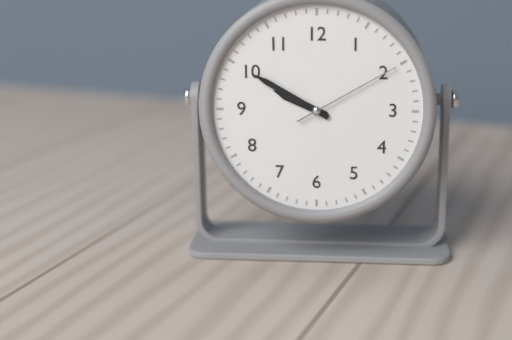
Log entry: {"hour": 9, "minute": 50, "second": 10}
